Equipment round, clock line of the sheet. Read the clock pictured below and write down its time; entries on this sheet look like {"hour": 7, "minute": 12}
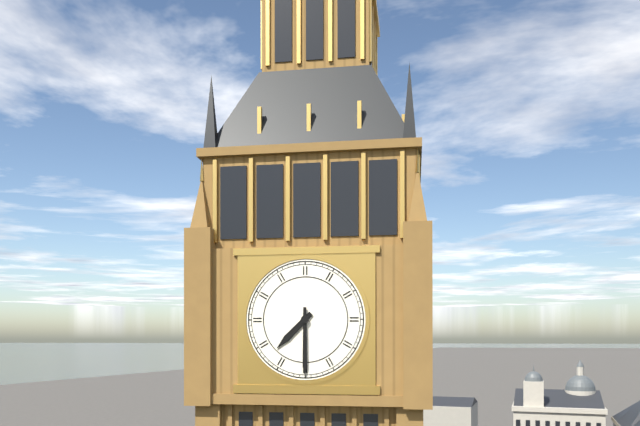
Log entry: {"hour": 7, "minute": 30}
